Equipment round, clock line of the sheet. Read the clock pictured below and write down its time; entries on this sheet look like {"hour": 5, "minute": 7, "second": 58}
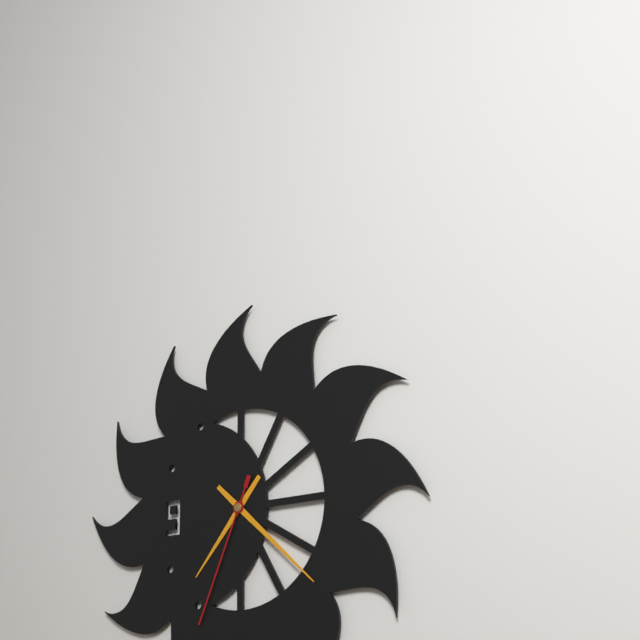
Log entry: {"hour": 7, "minute": 22, "second": 34}
